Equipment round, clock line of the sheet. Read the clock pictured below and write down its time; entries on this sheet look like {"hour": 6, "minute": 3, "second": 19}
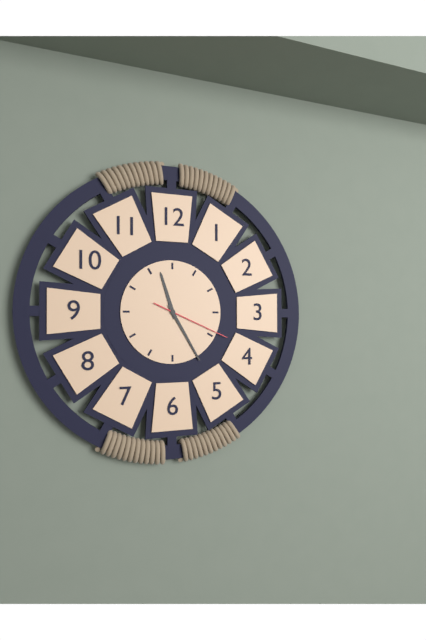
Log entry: {"hour": 11, "minute": 25, "second": 19}
